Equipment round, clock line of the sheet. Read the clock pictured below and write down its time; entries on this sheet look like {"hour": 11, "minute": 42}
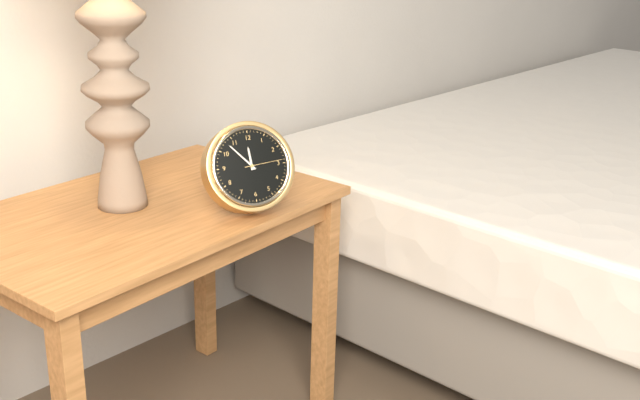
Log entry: {"hour": 11, "minute": 53}
